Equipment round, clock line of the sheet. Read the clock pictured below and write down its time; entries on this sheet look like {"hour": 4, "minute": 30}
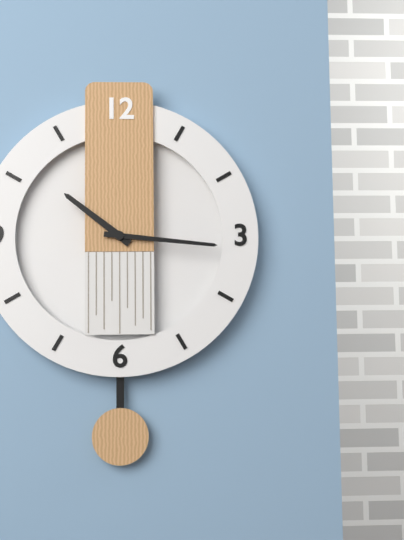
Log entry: {"hour": 10, "minute": 16}
